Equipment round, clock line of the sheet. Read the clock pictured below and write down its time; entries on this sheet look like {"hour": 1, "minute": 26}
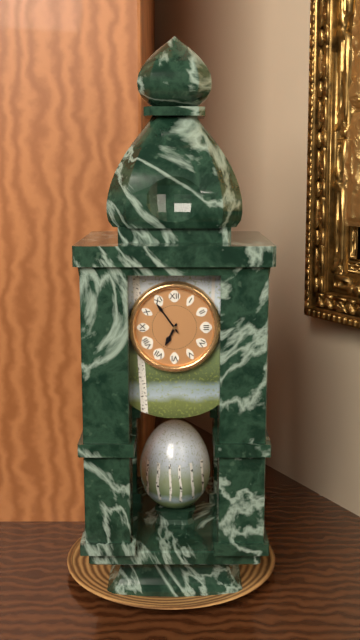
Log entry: {"hour": 6, "minute": 54}
